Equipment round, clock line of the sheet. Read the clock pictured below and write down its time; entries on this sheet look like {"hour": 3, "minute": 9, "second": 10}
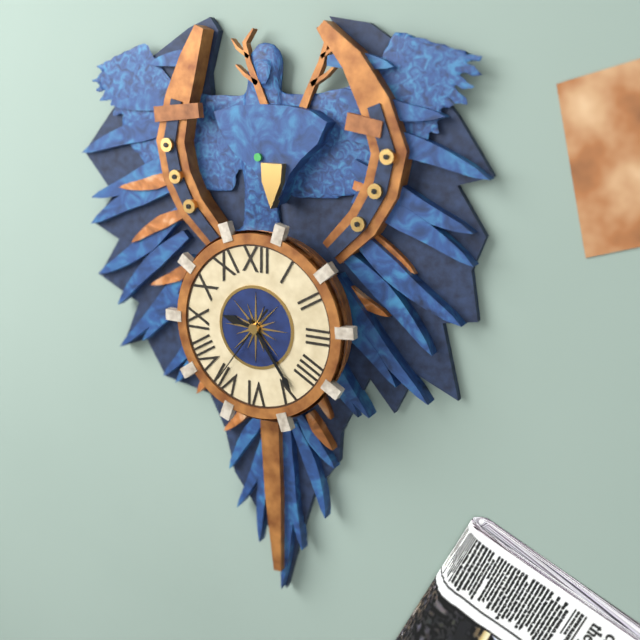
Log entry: {"hour": 9, "minute": 24, "second": 36}
